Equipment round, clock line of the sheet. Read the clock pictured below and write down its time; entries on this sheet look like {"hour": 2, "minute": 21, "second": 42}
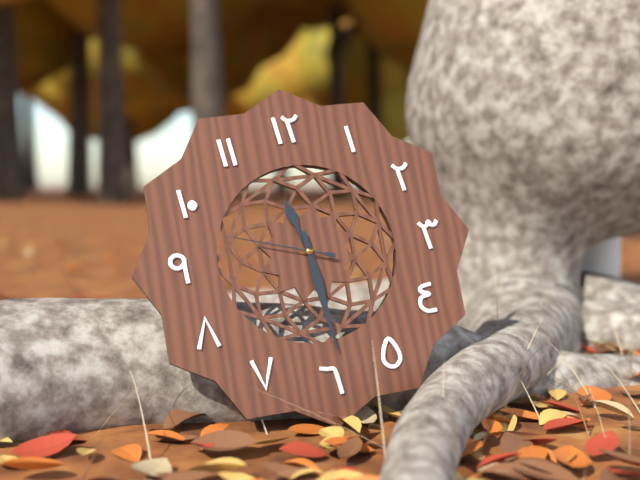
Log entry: {"hour": 11, "minute": 29, "second": 48}
